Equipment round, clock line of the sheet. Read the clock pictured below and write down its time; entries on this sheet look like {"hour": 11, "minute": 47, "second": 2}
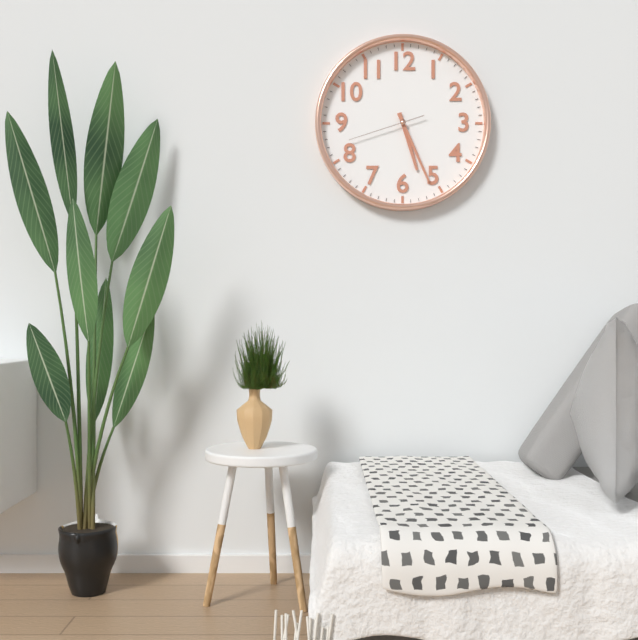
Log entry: {"hour": 5, "minute": 26, "second": 42}
